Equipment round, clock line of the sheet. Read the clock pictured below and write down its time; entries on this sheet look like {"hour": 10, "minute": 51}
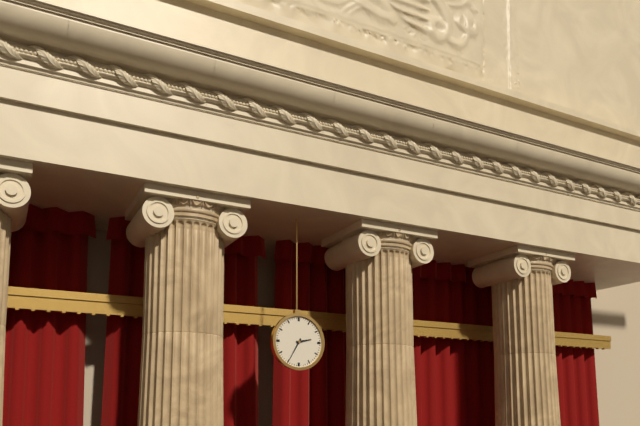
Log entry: {"hour": 2, "minute": 35}
